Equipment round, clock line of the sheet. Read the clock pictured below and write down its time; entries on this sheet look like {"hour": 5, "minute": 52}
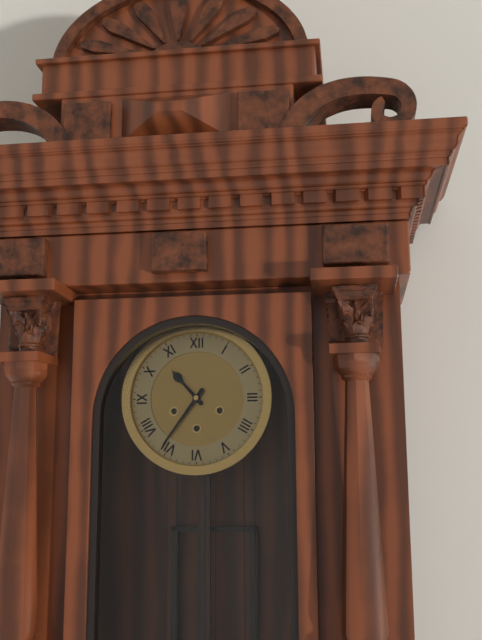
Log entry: {"hour": 10, "minute": 36}
